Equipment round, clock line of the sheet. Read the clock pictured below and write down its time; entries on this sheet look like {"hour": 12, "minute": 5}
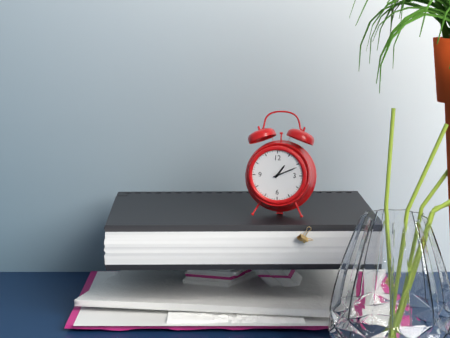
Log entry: {"hour": 1, "minute": 11}
